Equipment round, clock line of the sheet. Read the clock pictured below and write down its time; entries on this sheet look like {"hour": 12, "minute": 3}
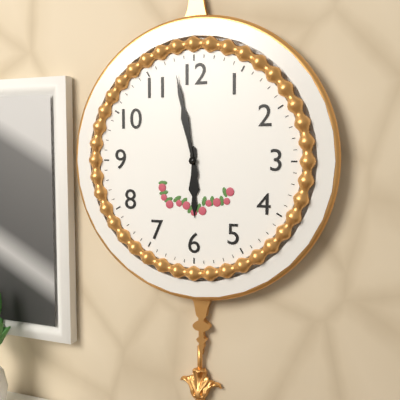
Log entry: {"hour": 5, "minute": 58}
